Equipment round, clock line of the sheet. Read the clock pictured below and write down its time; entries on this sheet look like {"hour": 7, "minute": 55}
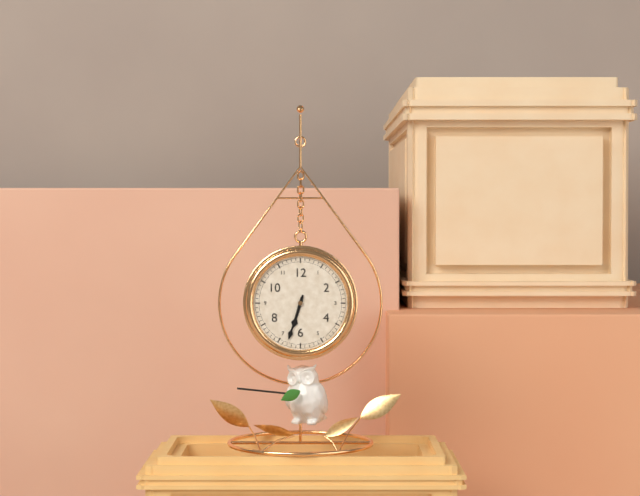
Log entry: {"hour": 6, "minute": 33}
